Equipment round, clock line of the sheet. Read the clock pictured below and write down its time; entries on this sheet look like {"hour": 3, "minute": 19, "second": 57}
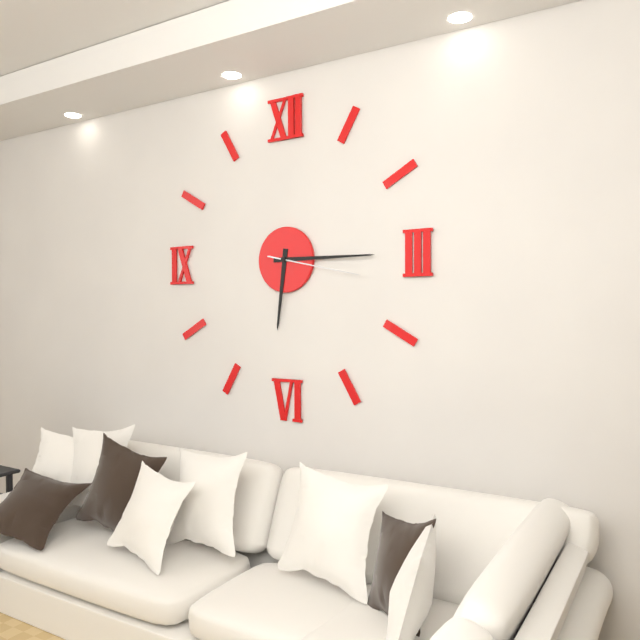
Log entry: {"hour": 6, "minute": 15, "second": 17}
